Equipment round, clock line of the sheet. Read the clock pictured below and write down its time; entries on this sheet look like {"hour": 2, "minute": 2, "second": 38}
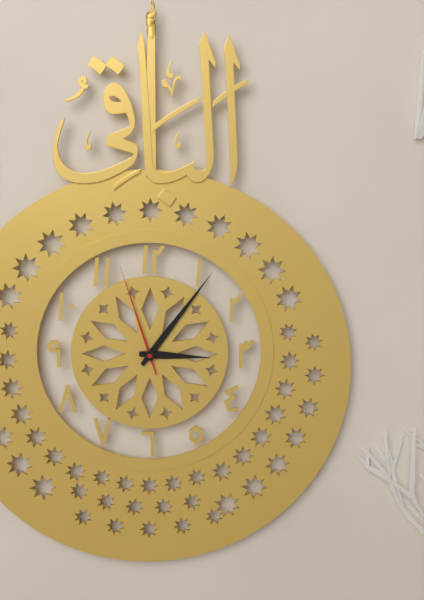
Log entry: {"hour": 3, "minute": 6, "second": 57}
